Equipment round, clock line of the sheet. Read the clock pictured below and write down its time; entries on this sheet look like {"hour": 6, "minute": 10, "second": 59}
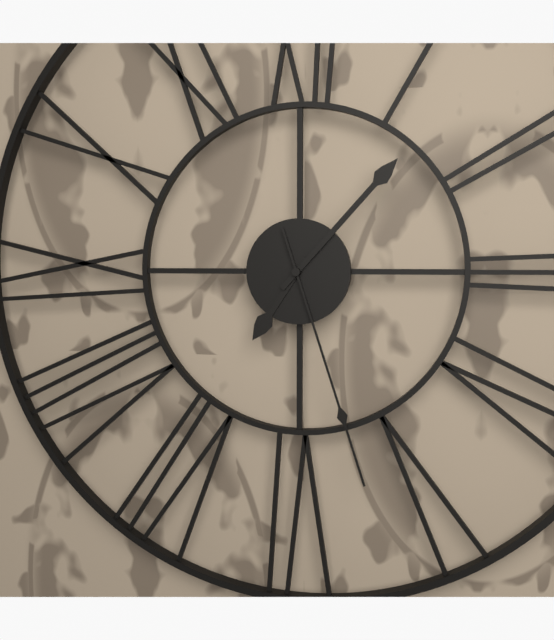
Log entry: {"hour": 7, "minute": 7, "second": 27}
